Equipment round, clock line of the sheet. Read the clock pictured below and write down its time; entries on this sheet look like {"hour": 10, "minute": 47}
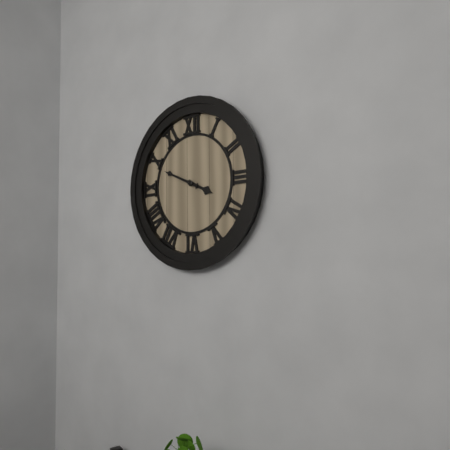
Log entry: {"hour": 3, "minute": 49}
